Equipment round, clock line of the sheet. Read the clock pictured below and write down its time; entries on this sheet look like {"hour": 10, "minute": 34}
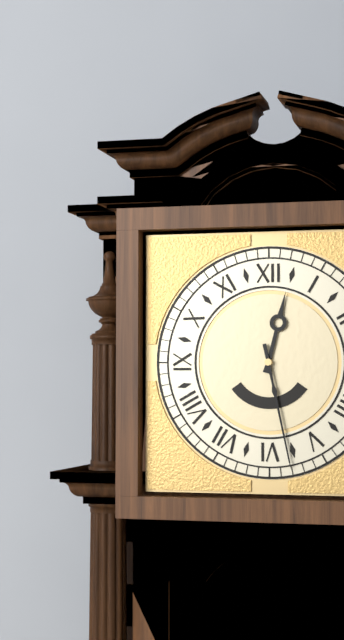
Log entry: {"hour": 12, "minute": 28}
